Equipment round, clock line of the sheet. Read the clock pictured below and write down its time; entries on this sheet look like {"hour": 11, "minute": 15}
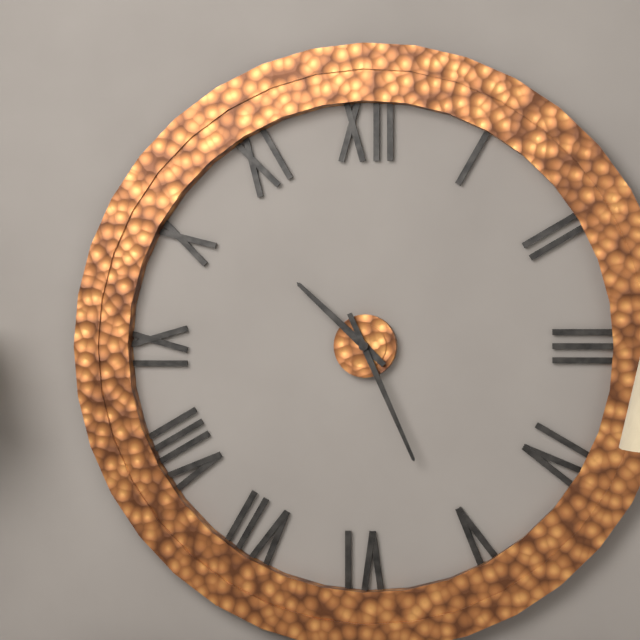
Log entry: {"hour": 10, "minute": 26}
